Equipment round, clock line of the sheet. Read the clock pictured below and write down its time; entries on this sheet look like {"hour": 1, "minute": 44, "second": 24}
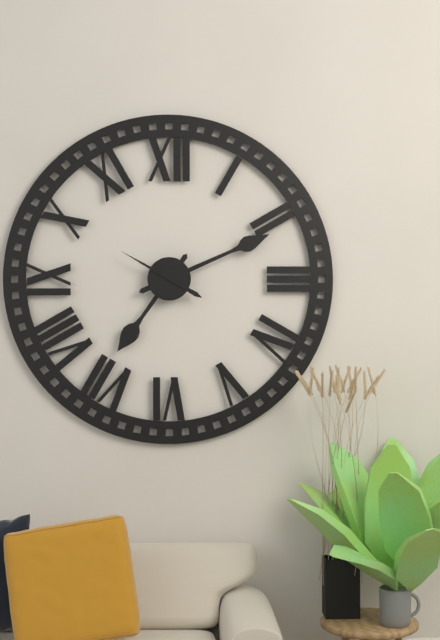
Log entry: {"hour": 7, "minute": 11, "second": 50}
